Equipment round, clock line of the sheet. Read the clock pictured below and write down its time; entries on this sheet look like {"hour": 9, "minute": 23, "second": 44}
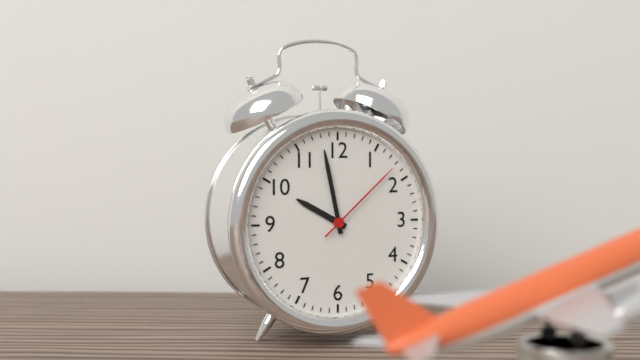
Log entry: {"hour": 9, "minute": 58, "second": 8}
